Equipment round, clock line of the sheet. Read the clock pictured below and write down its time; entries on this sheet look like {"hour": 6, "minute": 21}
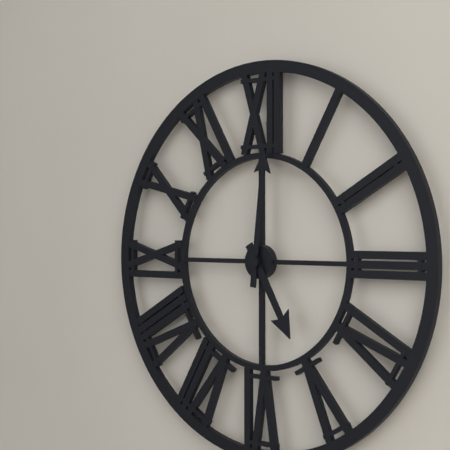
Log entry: {"hour": 5, "minute": 1}
